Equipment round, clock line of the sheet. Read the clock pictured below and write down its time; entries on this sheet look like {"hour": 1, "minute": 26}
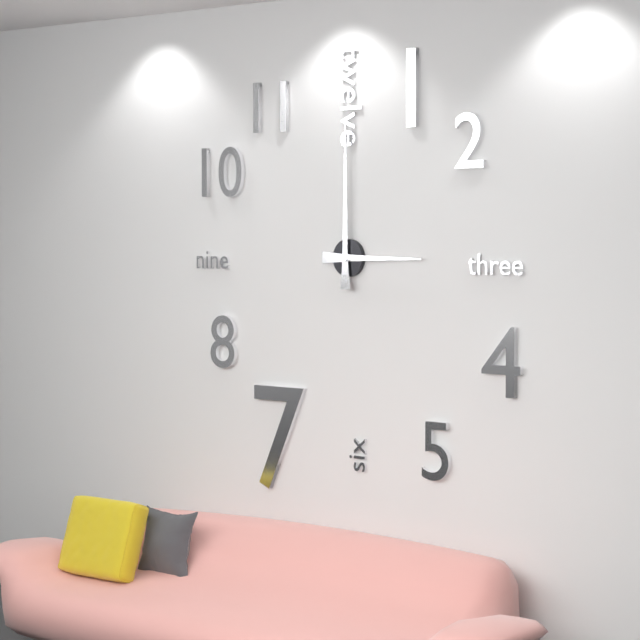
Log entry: {"hour": 3, "minute": 0}
